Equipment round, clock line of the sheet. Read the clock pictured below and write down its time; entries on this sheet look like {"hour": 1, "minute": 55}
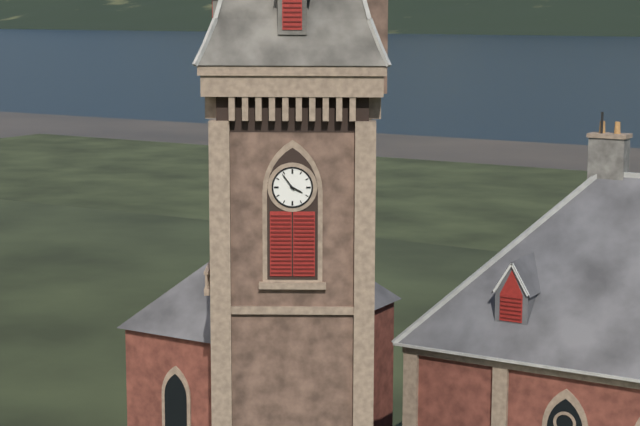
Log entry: {"hour": 3, "minute": 54}
